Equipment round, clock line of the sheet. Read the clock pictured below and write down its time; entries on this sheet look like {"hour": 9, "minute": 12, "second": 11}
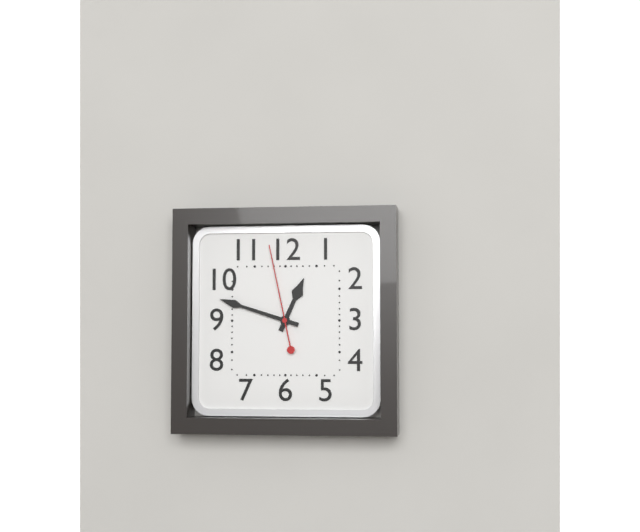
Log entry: {"hour": 12, "minute": 48, "second": 58}
